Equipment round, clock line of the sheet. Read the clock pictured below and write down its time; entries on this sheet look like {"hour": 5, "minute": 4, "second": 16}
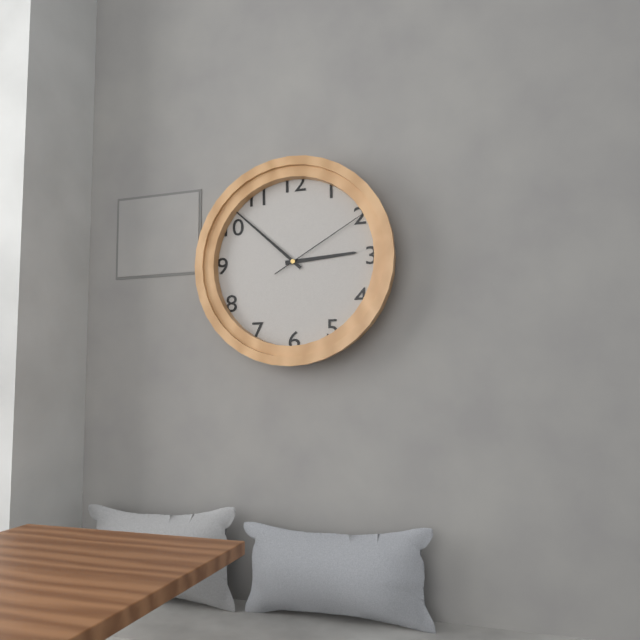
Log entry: {"hour": 2, "minute": 52, "second": 10}
